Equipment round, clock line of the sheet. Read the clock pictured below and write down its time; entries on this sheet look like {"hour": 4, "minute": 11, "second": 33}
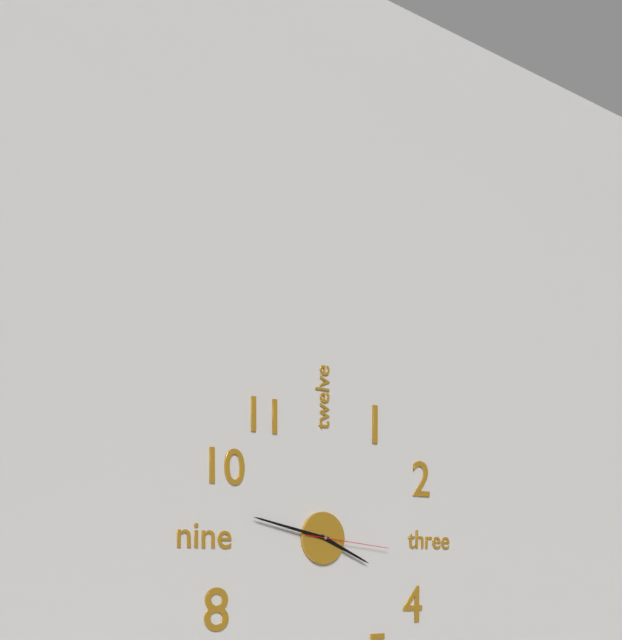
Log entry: {"hour": 3, "minute": 47, "second": 16}
